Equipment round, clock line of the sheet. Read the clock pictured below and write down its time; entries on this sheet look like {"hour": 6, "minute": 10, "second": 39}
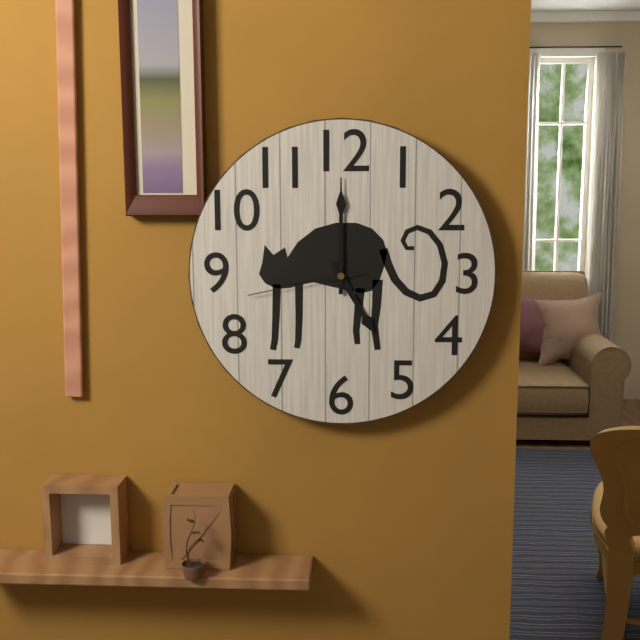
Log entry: {"hour": 5, "minute": 0, "second": 43}
